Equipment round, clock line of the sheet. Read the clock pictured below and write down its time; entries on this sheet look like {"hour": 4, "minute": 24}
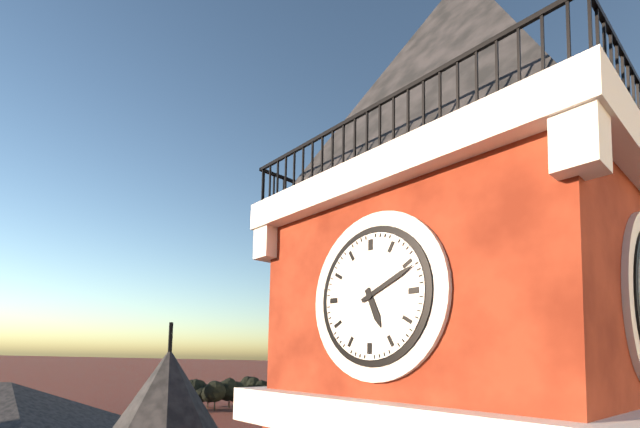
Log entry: {"hour": 5, "minute": 11}
